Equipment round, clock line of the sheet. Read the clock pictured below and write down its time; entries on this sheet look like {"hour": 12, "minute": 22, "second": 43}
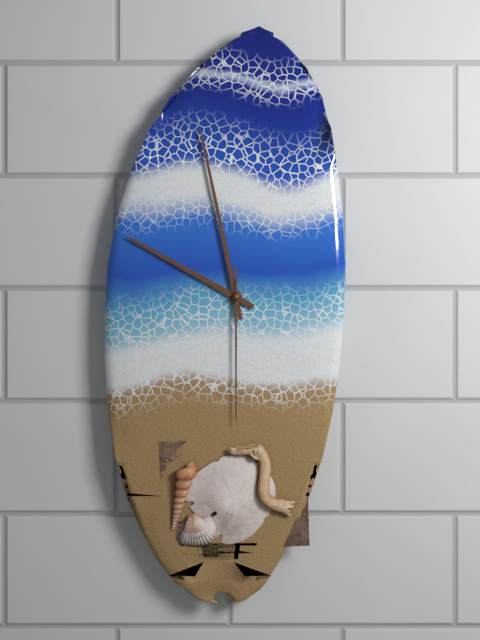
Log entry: {"hour": 9, "minute": 58, "second": 30}
